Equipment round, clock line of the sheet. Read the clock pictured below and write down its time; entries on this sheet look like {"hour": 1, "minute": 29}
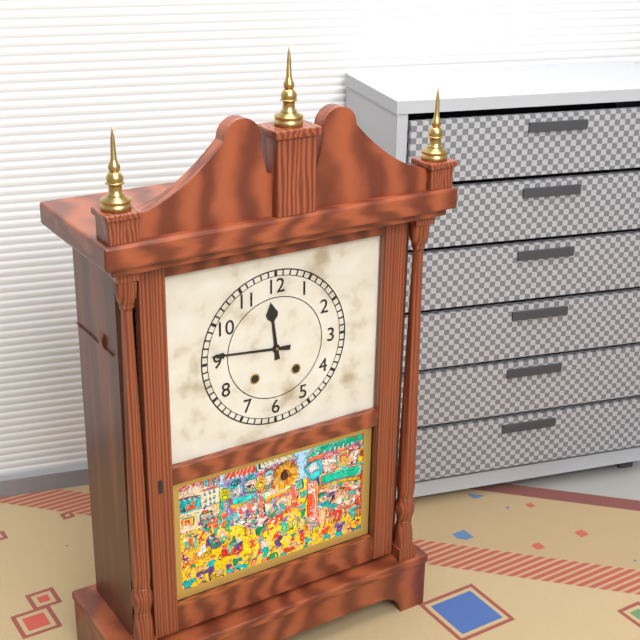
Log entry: {"hour": 11, "minute": 46}
